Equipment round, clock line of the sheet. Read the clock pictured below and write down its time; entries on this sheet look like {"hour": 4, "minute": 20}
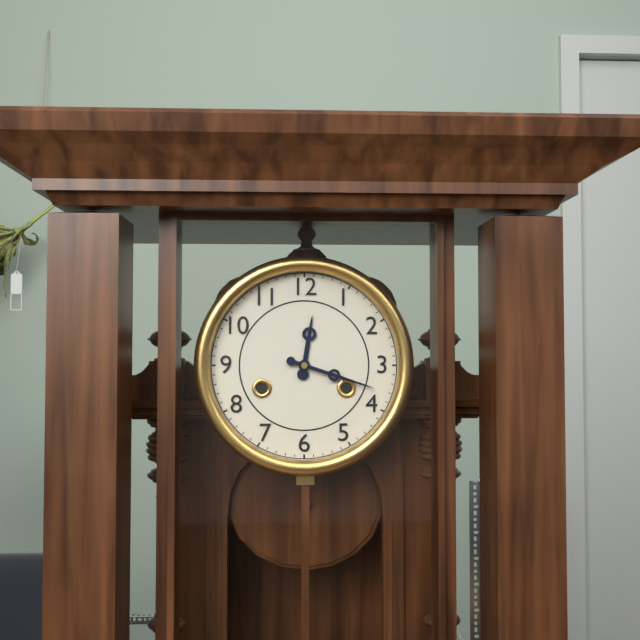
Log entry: {"hour": 12, "minute": 18}
